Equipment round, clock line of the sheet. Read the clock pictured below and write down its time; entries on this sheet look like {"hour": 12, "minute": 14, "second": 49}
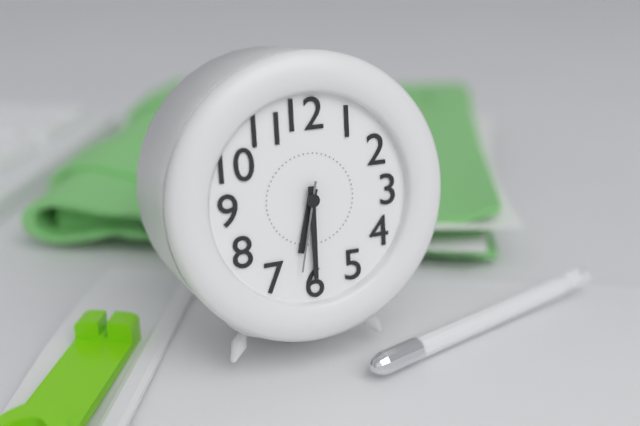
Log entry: {"hour": 6, "minute": 30, "second": 32}
